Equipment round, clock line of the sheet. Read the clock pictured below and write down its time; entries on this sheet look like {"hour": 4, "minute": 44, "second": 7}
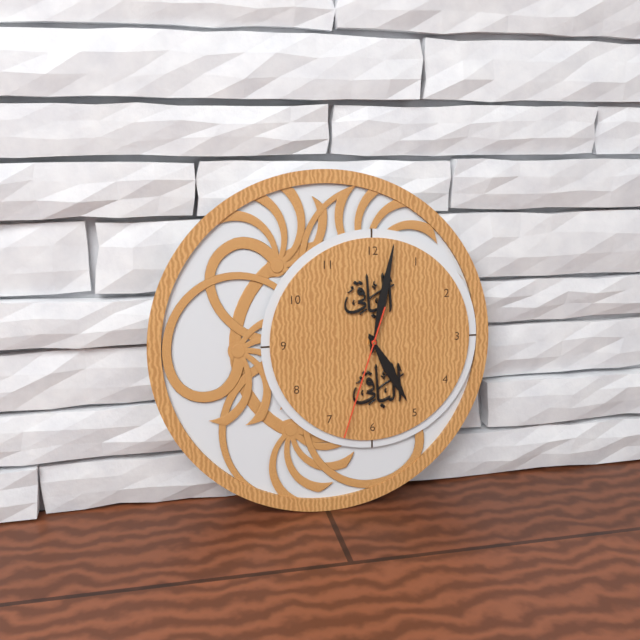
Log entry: {"hour": 5, "minute": 2, "second": 33}
